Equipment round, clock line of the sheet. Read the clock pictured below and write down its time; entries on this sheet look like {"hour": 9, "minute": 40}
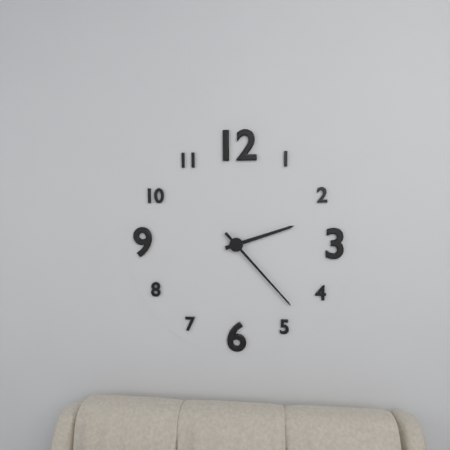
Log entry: {"hour": 2, "minute": 23}
